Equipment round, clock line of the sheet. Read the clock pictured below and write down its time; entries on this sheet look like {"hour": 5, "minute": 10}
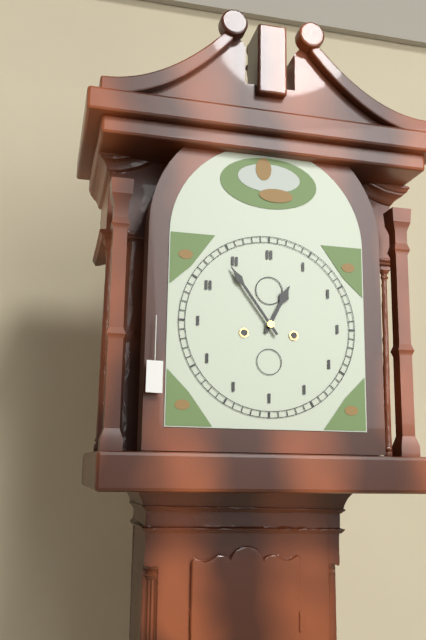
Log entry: {"hour": 12, "minute": 54}
